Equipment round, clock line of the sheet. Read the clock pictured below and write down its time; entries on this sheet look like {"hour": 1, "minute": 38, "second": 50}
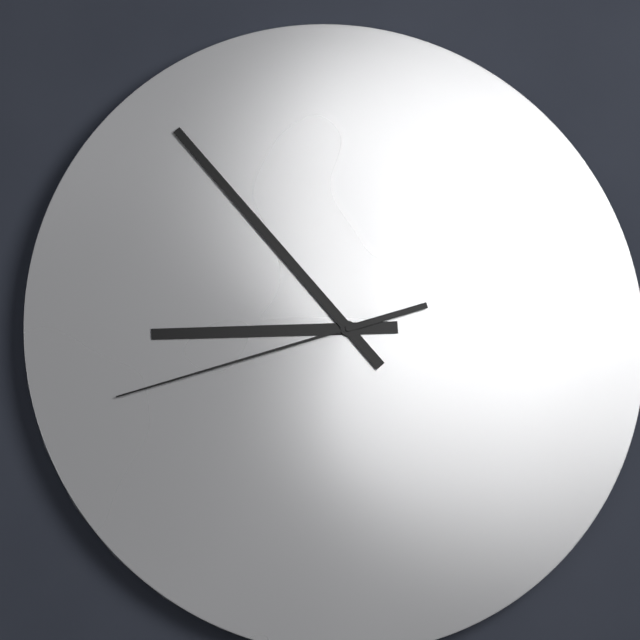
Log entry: {"hour": 8, "minute": 53, "second": 42}
